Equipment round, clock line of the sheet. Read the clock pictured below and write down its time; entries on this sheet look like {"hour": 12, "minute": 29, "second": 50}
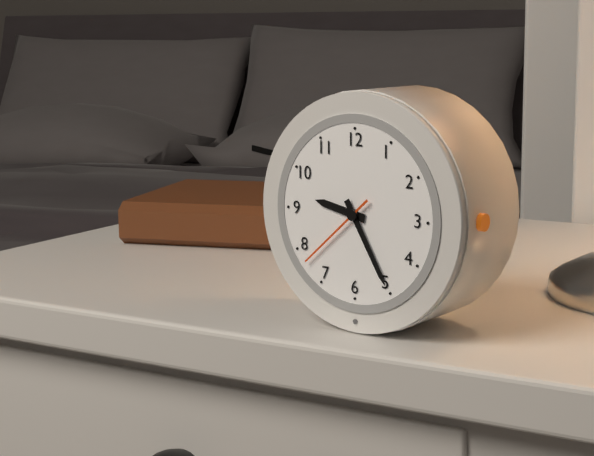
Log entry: {"hour": 9, "minute": 25, "second": 38}
